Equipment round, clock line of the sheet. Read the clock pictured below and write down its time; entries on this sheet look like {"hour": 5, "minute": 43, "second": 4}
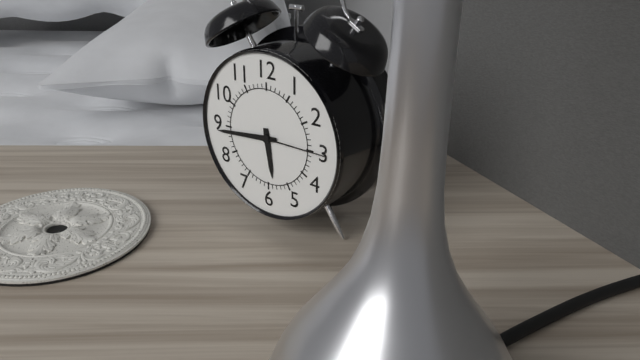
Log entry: {"hour": 5, "minute": 44, "second": 15}
